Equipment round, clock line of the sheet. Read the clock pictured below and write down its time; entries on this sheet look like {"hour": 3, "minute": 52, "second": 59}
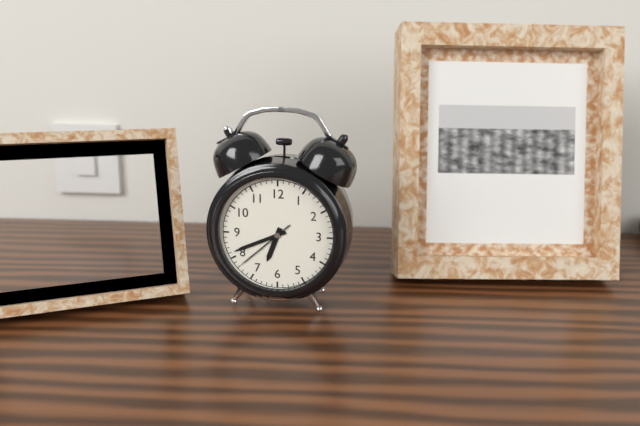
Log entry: {"hour": 6, "minute": 41, "second": 38}
